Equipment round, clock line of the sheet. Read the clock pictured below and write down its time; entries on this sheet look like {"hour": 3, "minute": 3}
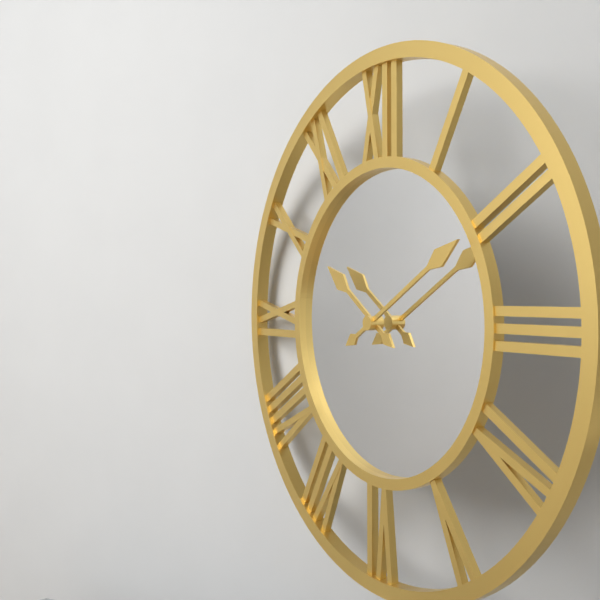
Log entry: {"hour": 10, "minute": 10}
